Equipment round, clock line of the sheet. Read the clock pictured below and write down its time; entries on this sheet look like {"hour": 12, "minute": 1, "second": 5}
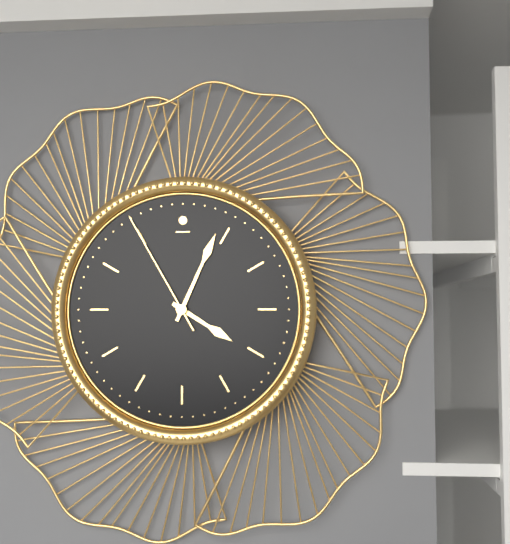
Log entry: {"hour": 4, "minute": 4, "second": 55}
